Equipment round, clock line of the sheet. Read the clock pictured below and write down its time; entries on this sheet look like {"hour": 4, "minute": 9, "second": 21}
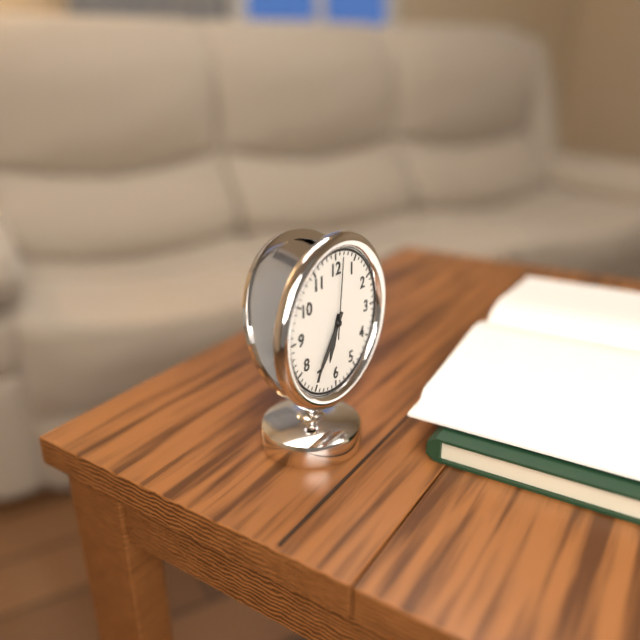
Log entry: {"hour": 6, "minute": 36, "second": 1}
